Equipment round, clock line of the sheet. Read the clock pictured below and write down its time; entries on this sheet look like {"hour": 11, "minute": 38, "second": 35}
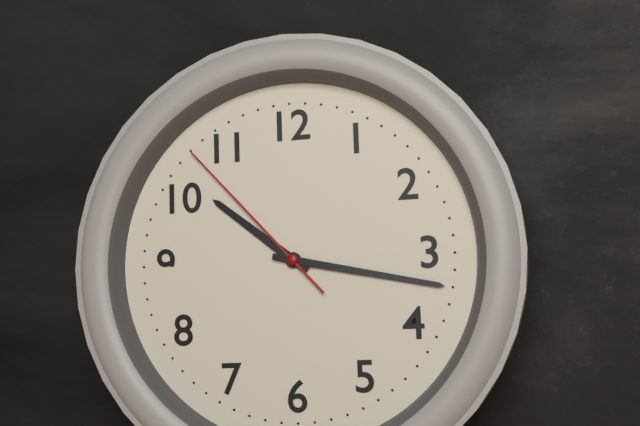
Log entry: {"hour": 10, "minute": 17, "second": 53}
